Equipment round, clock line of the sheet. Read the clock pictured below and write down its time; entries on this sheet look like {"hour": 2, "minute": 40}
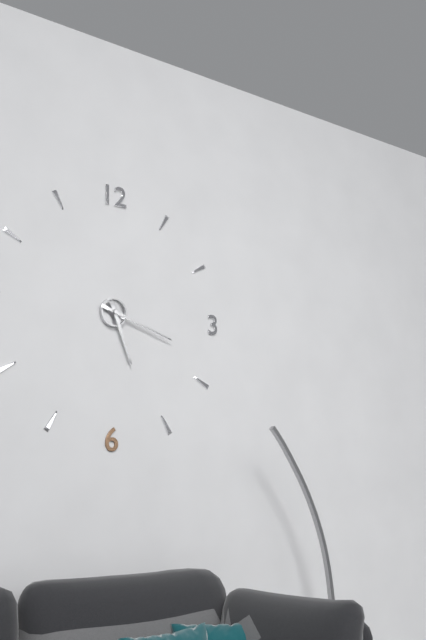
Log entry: {"hour": 5, "minute": 18}
